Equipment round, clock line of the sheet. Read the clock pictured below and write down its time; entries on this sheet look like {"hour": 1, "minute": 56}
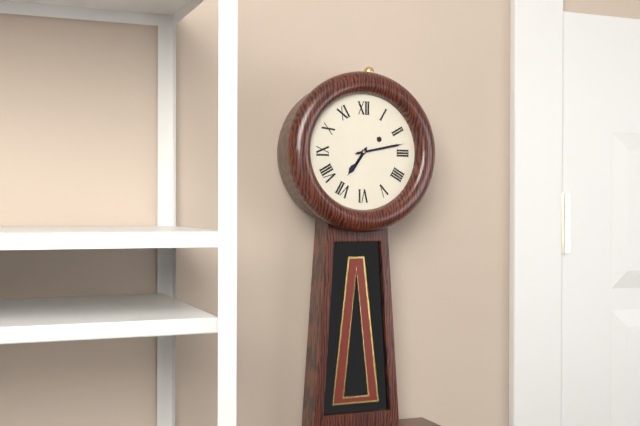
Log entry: {"hour": 7, "minute": 13}
